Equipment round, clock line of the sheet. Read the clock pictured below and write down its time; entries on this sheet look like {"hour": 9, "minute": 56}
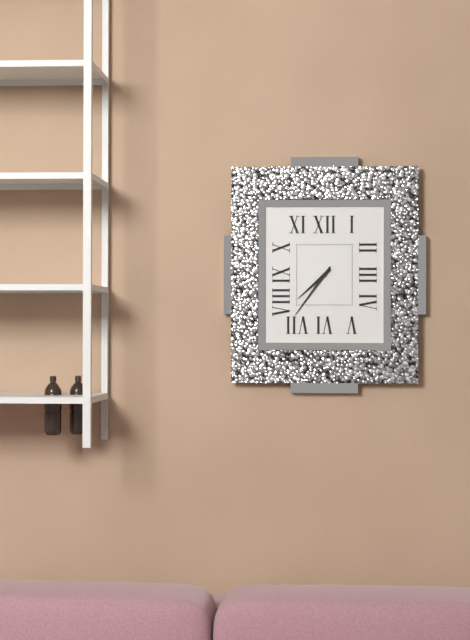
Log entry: {"hour": 7, "minute": 36}
